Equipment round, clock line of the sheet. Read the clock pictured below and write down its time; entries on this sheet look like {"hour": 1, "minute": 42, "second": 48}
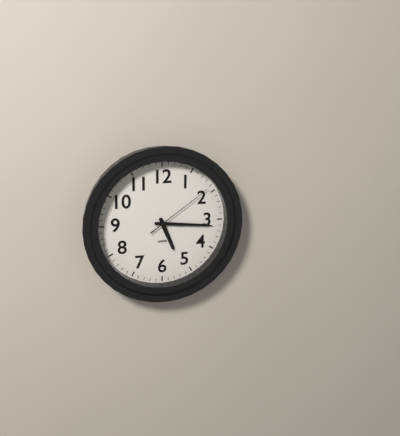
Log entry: {"hour": 5, "minute": 16, "second": 9}
